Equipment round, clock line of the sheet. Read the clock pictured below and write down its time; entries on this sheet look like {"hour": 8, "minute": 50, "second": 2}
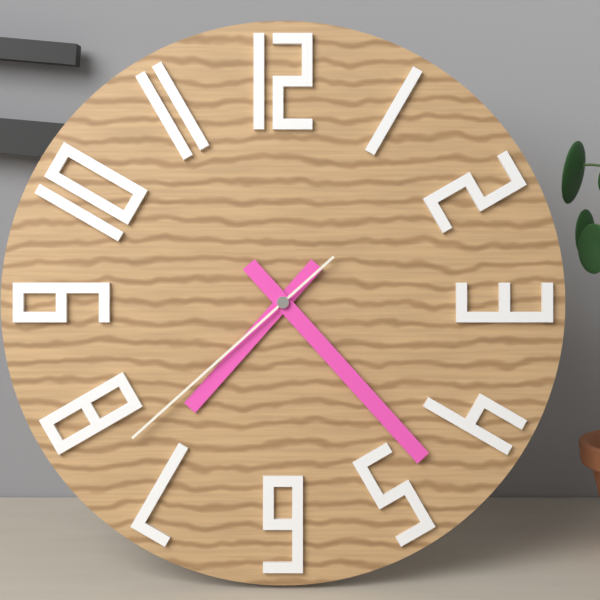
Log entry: {"hour": 7, "minute": 23, "second": 38}
